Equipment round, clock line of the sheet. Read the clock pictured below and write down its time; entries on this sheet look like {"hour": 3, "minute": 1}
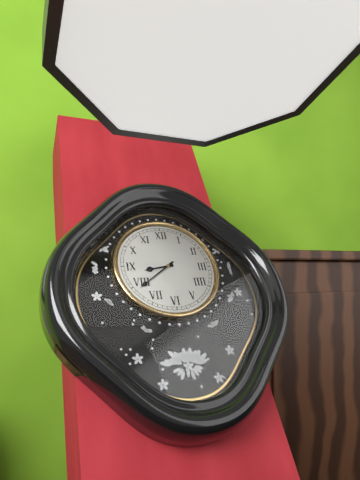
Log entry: {"hour": 8, "minute": 39}
